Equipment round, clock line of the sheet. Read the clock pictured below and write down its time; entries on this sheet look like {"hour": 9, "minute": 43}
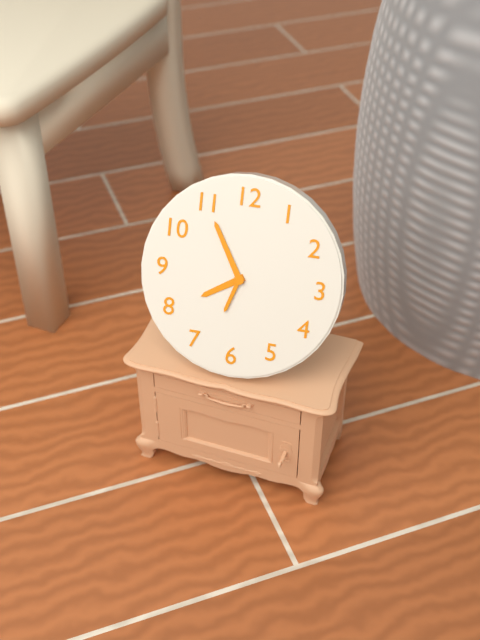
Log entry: {"hour": 7, "minute": 55}
